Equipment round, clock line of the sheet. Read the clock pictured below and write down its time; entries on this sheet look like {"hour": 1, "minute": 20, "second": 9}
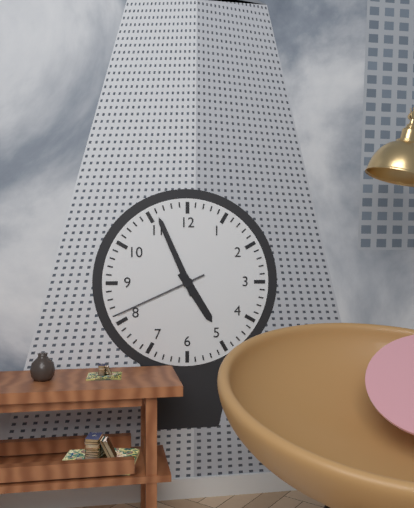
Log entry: {"hour": 4, "minute": 56, "second": 41}
